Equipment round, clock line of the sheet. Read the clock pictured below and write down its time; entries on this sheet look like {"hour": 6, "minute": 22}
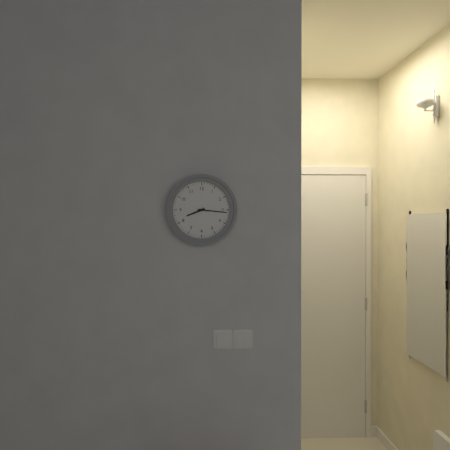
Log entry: {"hour": 8, "minute": 16}
